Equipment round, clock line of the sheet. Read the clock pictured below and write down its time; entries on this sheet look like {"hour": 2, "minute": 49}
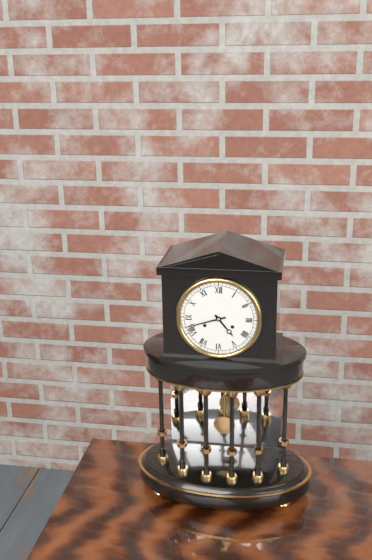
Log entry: {"hour": 4, "minute": 42}
